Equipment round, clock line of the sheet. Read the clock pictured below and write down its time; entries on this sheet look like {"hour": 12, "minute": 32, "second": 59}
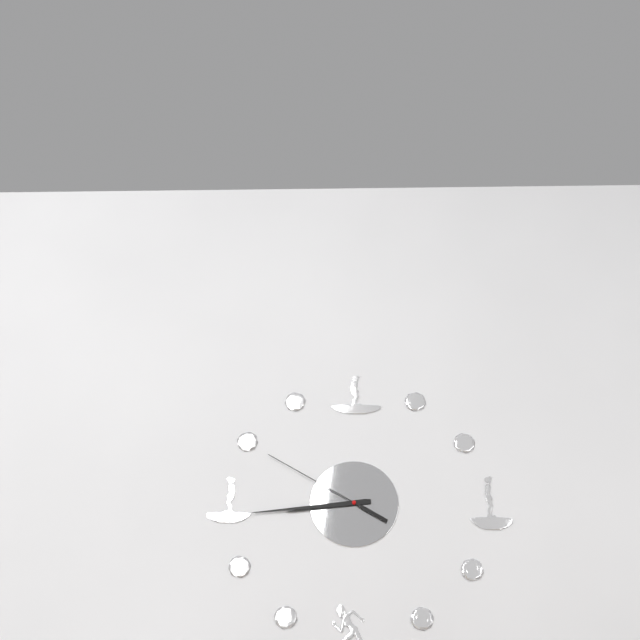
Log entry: {"hour": 8, "minute": 44, "second": 50}
